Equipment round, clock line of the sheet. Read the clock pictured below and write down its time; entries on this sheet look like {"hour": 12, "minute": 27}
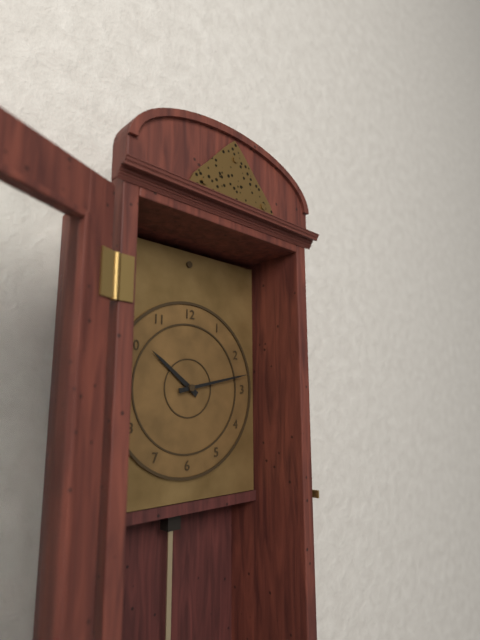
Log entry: {"hour": 10, "minute": 13}
